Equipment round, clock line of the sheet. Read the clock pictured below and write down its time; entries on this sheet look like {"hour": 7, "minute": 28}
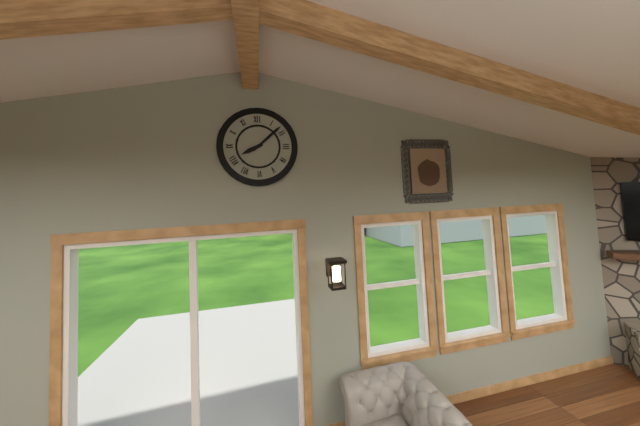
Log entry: {"hour": 8, "minute": 8}
